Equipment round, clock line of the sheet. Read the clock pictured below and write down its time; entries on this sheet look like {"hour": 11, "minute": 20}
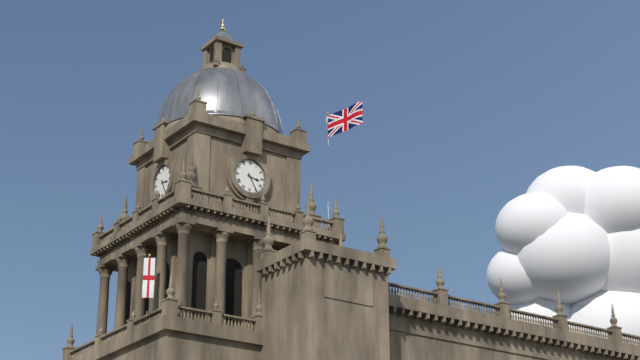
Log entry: {"hour": 3, "minute": 25}
